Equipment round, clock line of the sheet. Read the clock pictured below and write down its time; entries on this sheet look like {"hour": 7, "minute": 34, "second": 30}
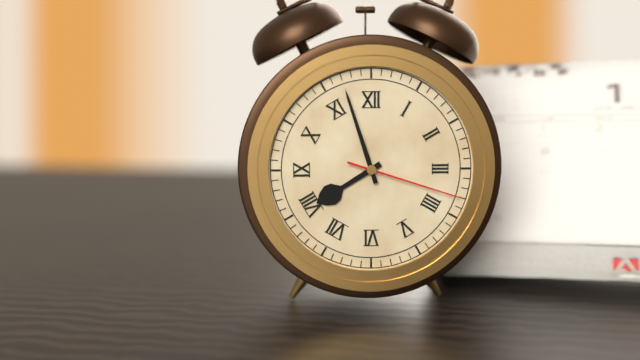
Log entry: {"hour": 7, "minute": 57, "second": 18}
